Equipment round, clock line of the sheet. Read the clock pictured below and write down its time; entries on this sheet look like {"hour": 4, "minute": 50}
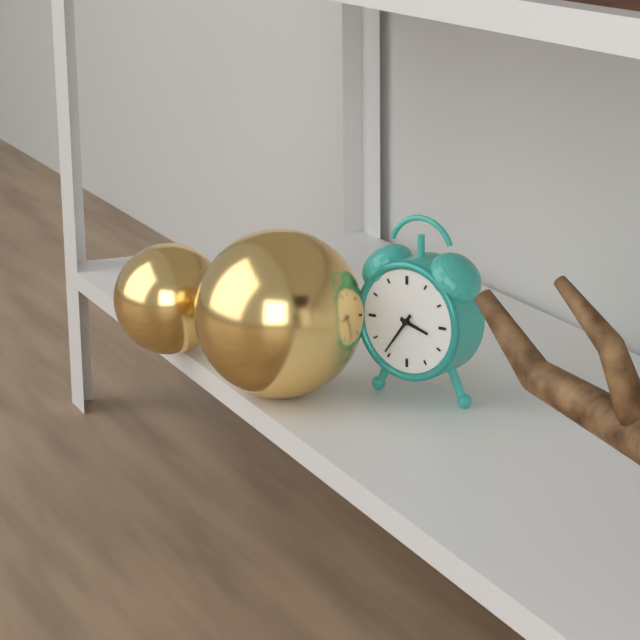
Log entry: {"hour": 3, "minute": 36}
